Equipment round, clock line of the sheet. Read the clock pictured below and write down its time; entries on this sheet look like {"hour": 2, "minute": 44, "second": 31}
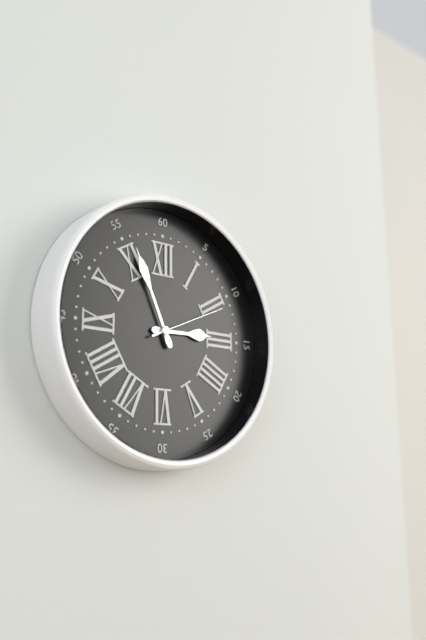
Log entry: {"hour": 2, "minute": 56, "second": 11}
